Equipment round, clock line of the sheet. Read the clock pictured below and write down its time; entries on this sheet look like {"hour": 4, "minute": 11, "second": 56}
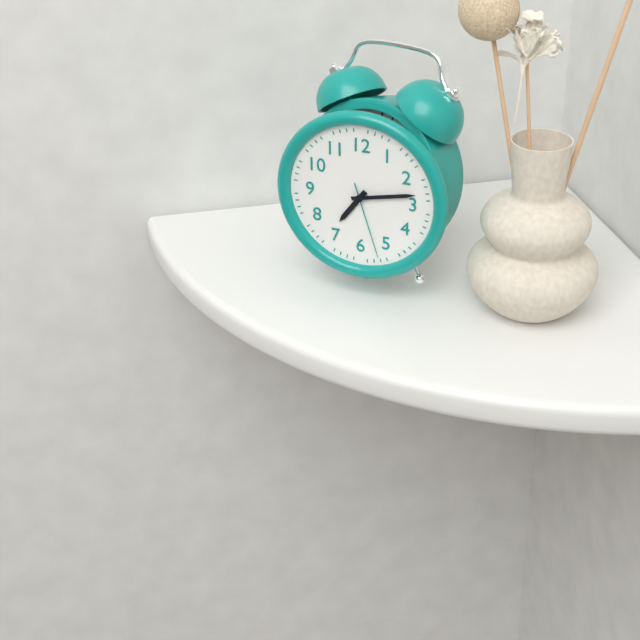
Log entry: {"hour": 7, "minute": 13, "second": 27}
